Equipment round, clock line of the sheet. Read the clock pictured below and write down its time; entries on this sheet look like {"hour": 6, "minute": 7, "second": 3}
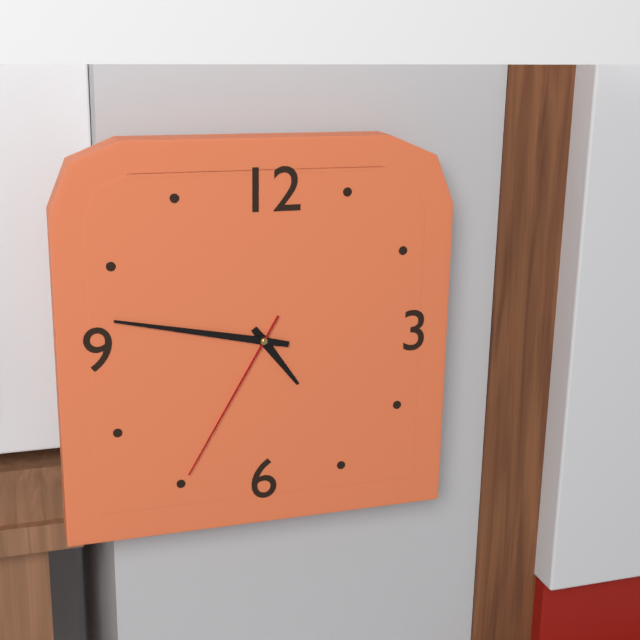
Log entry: {"hour": 4, "minute": 47, "second": 35}
